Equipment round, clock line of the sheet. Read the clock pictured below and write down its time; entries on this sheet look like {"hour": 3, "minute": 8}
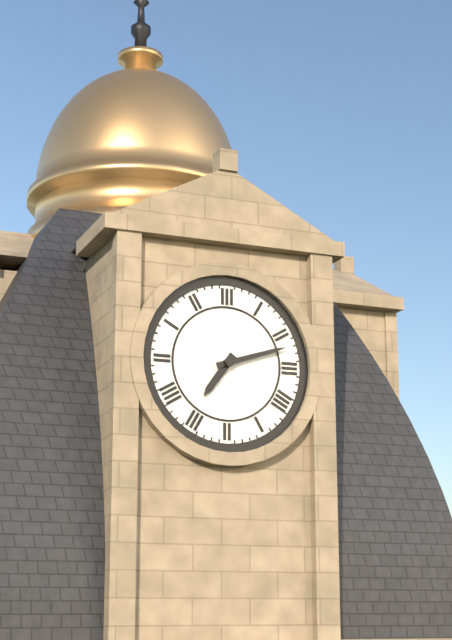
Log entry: {"hour": 7, "minute": 12}
